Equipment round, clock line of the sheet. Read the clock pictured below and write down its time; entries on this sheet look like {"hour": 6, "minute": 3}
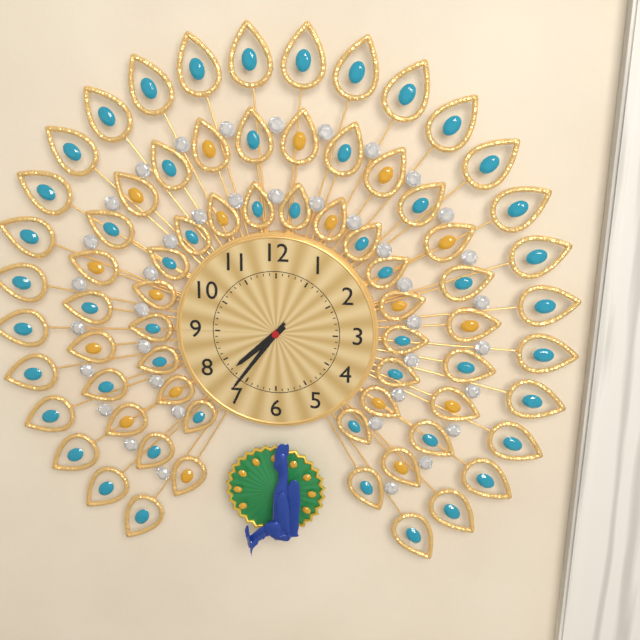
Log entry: {"hour": 7, "minute": 36}
